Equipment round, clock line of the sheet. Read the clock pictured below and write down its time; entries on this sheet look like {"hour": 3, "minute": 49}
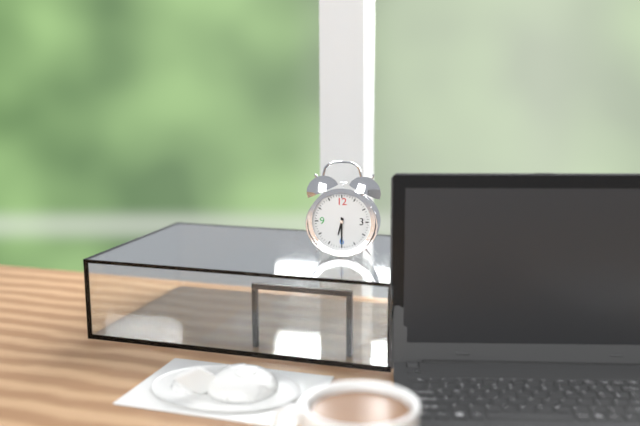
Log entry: {"hour": 6, "minute": 30}
